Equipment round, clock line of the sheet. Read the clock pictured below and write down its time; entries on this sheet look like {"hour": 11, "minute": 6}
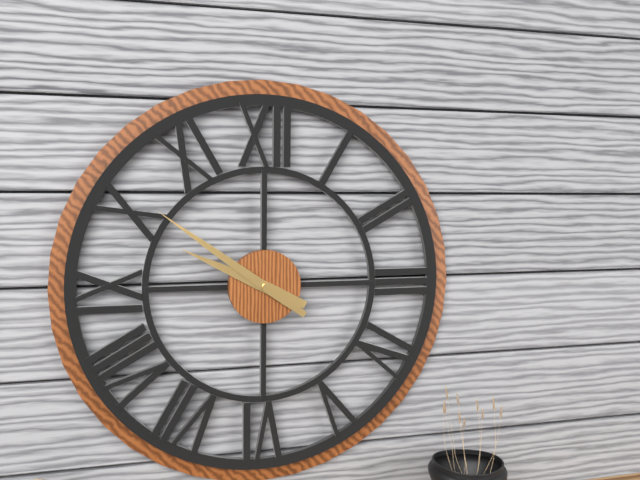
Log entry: {"hour": 9, "minute": 51}
